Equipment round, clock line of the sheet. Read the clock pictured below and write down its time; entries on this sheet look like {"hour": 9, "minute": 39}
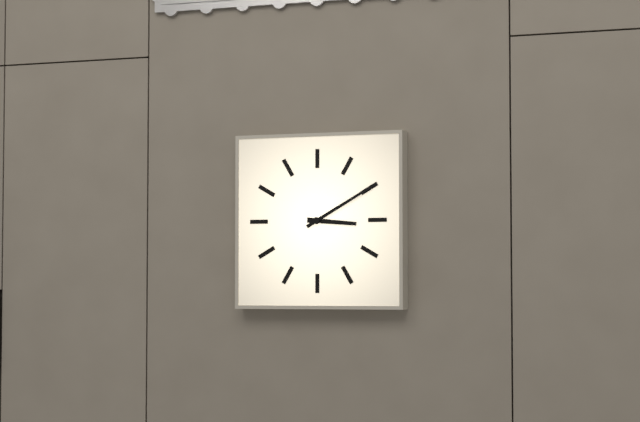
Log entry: {"hour": 3, "minute": 10}
